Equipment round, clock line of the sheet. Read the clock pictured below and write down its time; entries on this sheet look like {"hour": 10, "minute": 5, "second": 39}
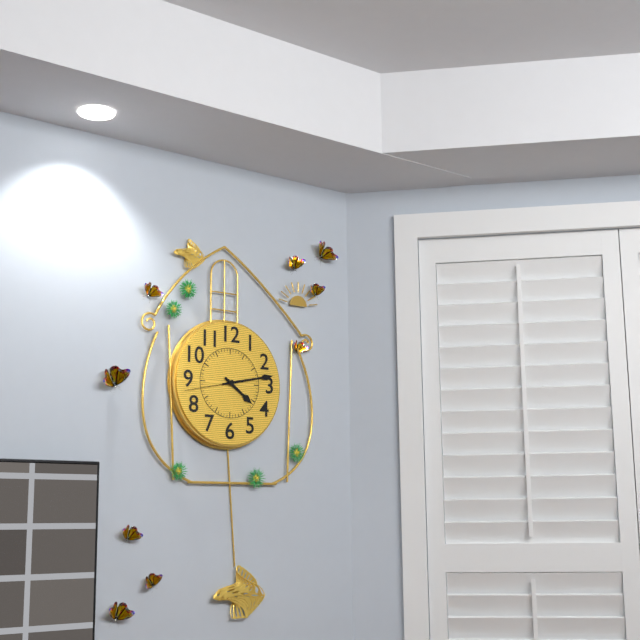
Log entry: {"hour": 4, "minute": 13, "second": 43}
